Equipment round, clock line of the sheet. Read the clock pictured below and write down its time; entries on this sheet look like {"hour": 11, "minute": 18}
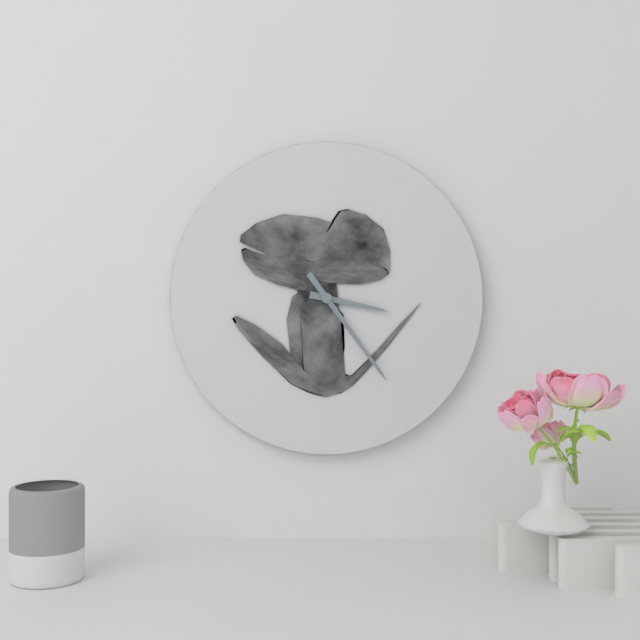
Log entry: {"hour": 3, "minute": 24}
